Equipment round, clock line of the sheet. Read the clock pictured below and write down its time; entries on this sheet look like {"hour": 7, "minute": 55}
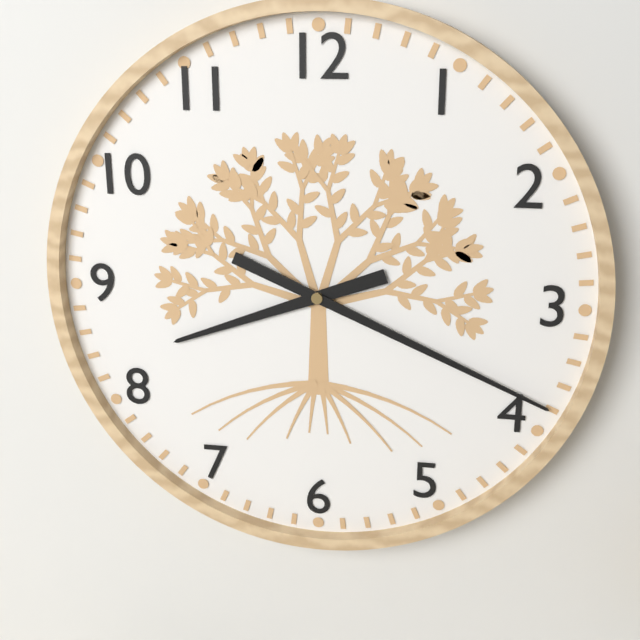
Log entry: {"hour": 8, "minute": 19}
